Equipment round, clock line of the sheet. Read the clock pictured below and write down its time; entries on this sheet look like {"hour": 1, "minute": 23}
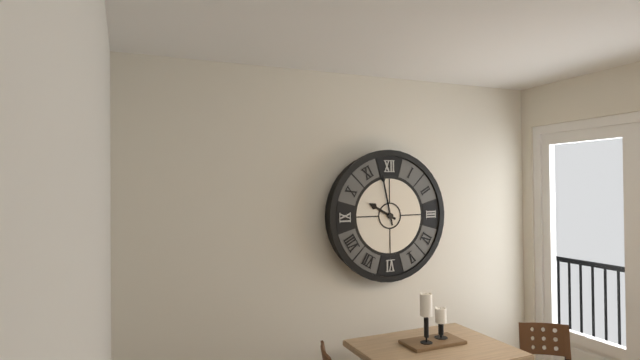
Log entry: {"hour": 9, "minute": 58}
